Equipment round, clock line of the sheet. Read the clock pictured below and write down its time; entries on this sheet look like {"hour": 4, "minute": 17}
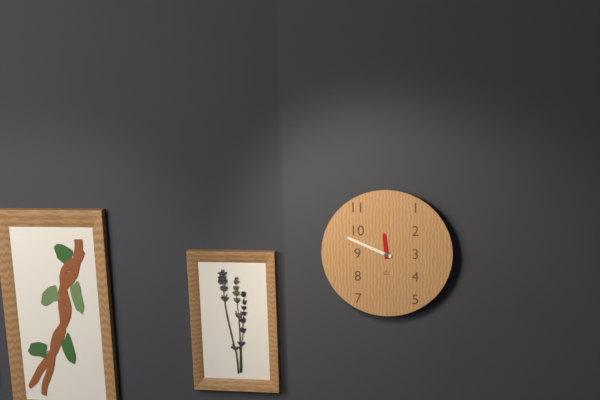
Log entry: {"hour": 11, "minute": 49}
